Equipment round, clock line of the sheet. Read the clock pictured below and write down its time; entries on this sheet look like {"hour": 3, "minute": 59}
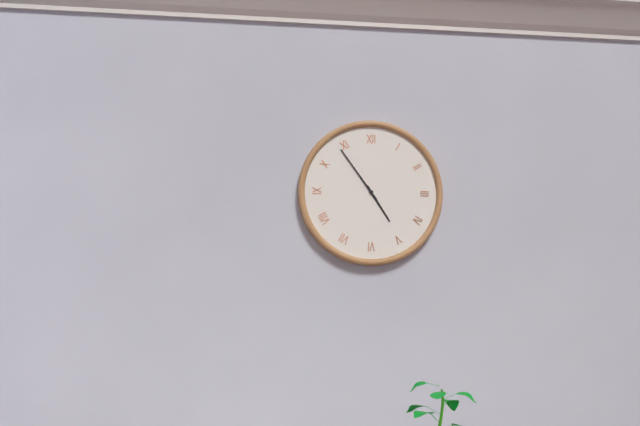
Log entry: {"hour": 4, "minute": 54}
